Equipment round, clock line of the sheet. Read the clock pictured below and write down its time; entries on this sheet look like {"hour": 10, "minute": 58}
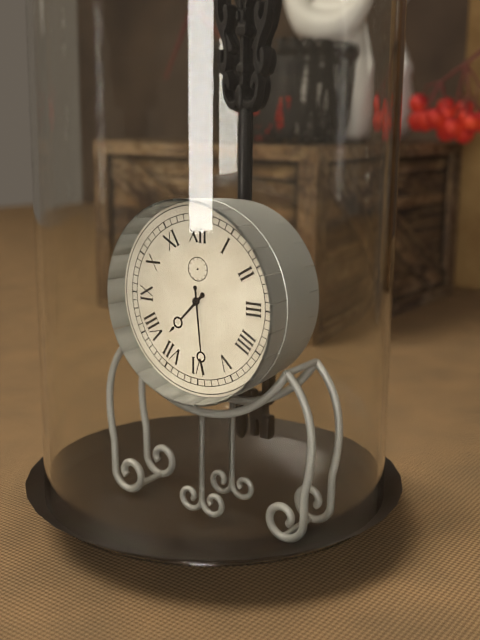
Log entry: {"hour": 7, "minute": 29}
